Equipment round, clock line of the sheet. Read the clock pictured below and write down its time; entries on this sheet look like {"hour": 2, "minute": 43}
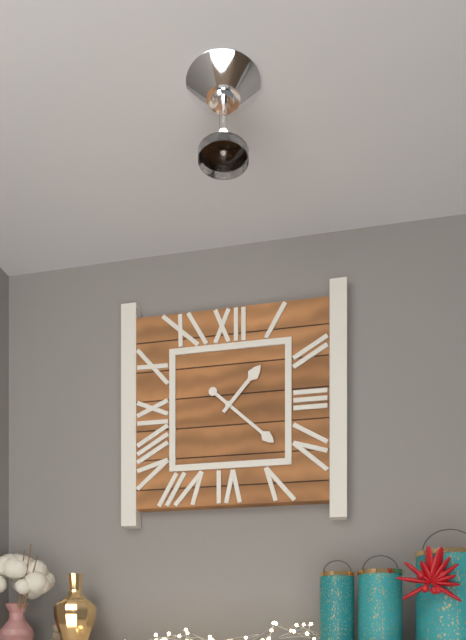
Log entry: {"hour": 1, "minute": 22}
